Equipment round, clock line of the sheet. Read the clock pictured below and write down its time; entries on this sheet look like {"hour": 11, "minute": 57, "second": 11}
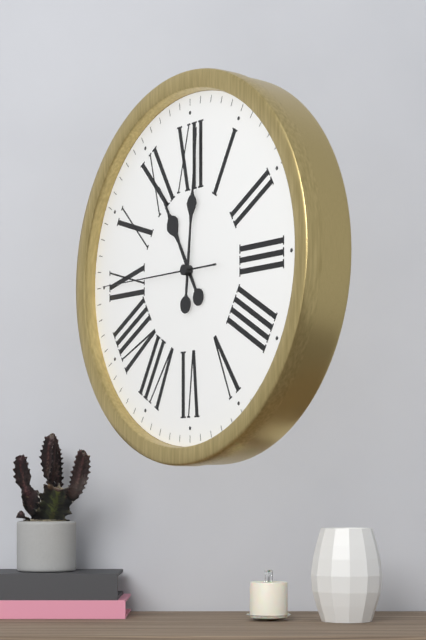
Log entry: {"hour": 11, "minute": 1, "second": 45}
